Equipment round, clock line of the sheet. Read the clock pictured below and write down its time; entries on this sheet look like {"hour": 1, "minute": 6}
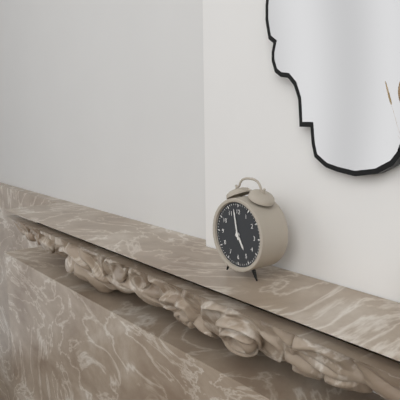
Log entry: {"hour": 4, "minute": 58}
